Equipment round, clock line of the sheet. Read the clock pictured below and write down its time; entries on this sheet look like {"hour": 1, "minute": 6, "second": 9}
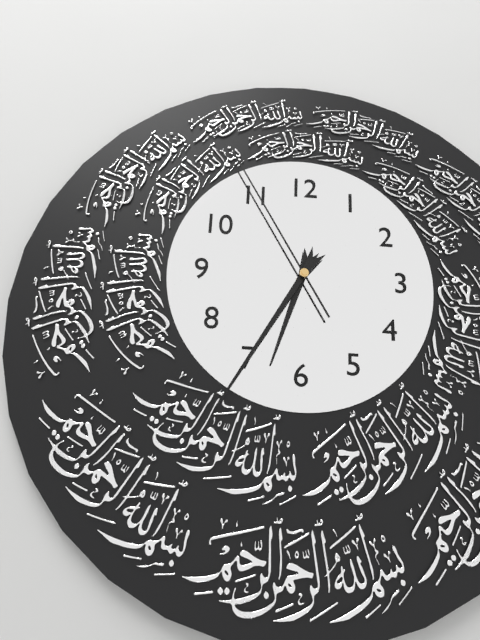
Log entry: {"hour": 6, "minute": 35, "second": 55}
